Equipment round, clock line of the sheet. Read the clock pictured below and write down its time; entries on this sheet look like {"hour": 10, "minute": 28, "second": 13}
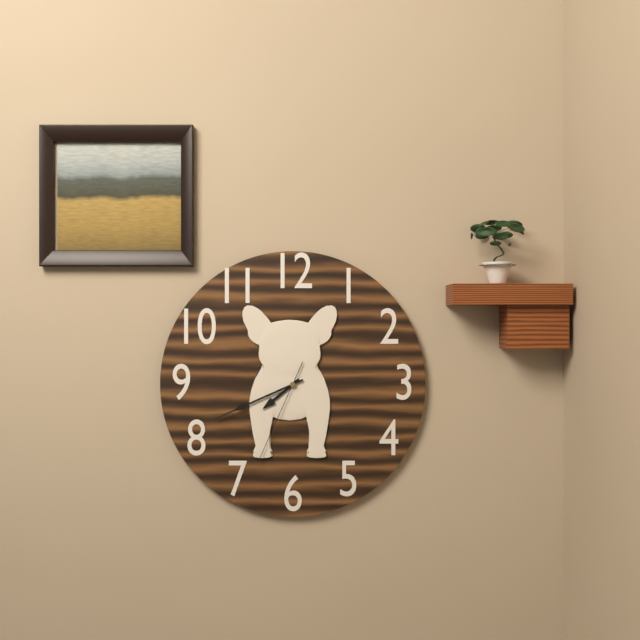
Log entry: {"hour": 7, "minute": 41, "second": 34}
